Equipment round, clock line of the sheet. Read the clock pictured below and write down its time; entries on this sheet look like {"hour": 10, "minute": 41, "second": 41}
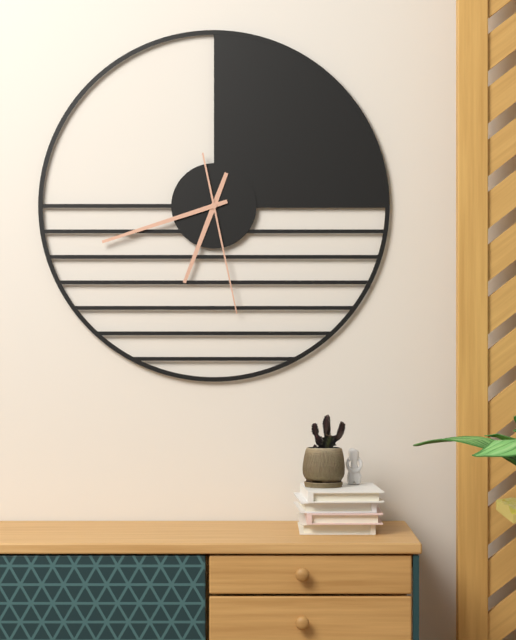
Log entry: {"hour": 6, "minute": 42, "second": 28}
